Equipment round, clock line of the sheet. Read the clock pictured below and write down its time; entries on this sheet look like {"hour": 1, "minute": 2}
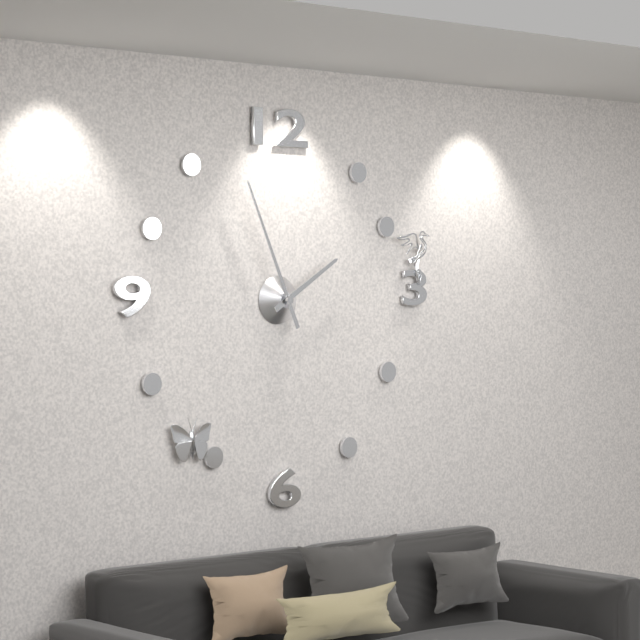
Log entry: {"hour": 1, "minute": 56}
